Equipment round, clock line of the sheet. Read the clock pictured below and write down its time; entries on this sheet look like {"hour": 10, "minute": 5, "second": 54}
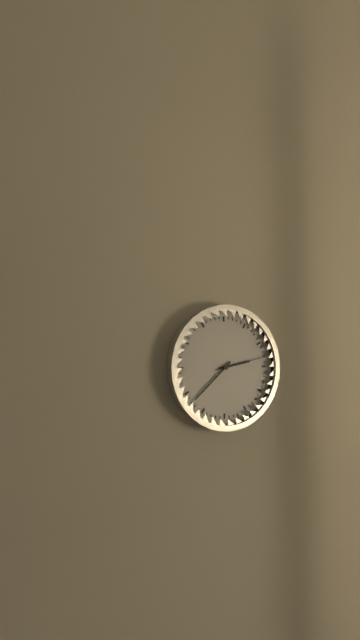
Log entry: {"hour": 2, "minute": 38, "second": 13}
